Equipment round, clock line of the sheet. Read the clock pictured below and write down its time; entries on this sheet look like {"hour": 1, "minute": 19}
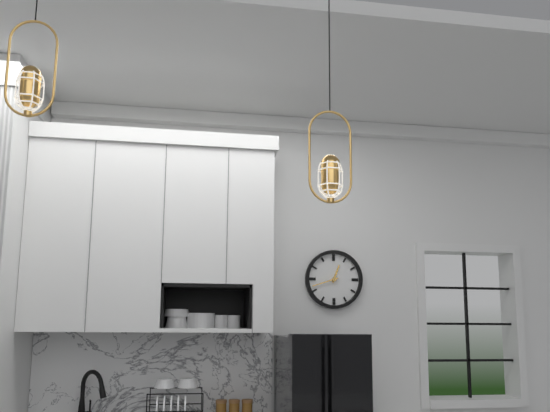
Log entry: {"hour": 12, "minute": 42}
